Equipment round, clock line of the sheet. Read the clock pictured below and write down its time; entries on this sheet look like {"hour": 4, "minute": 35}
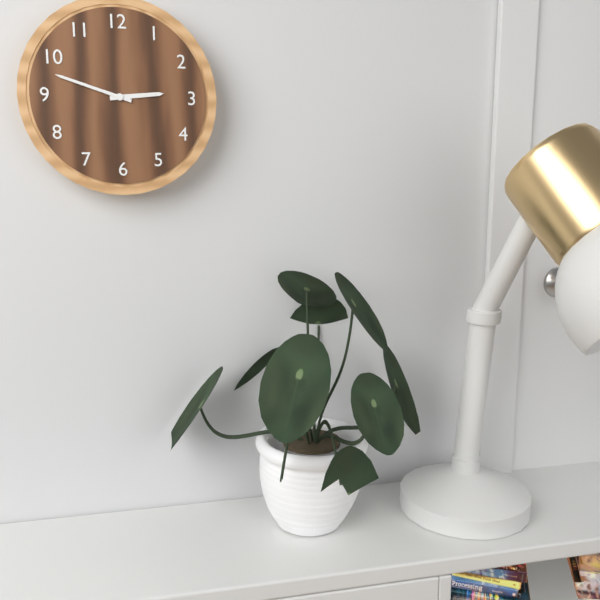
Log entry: {"hour": 2, "minute": 48}
